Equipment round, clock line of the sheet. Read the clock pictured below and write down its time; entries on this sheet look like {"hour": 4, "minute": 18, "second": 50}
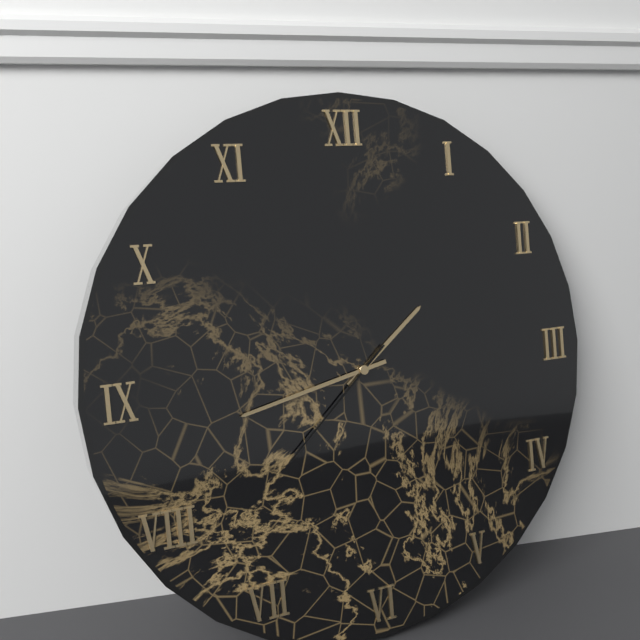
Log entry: {"hour": 1, "minute": 43, "second": 38}
